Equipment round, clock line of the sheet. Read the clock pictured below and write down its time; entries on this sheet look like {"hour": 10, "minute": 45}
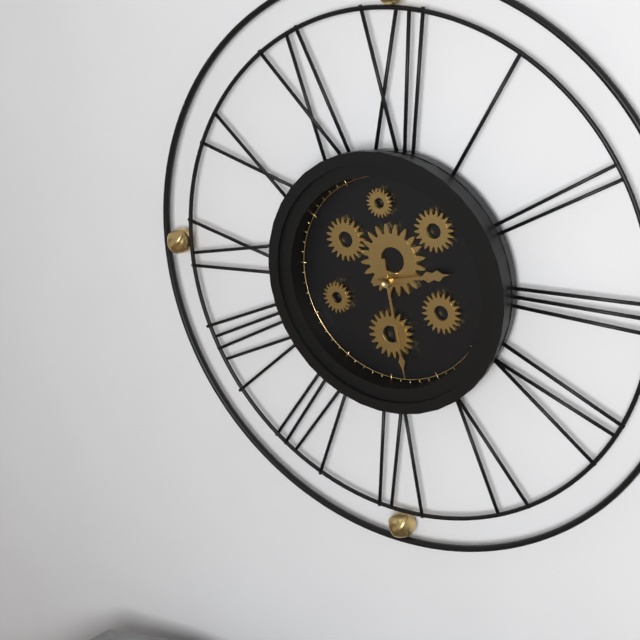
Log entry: {"hour": 2, "minute": 28}
